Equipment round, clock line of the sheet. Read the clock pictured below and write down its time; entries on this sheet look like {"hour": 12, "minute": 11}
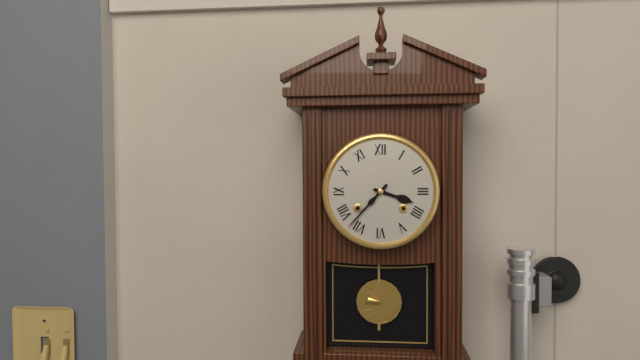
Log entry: {"hour": 3, "minute": 37}
